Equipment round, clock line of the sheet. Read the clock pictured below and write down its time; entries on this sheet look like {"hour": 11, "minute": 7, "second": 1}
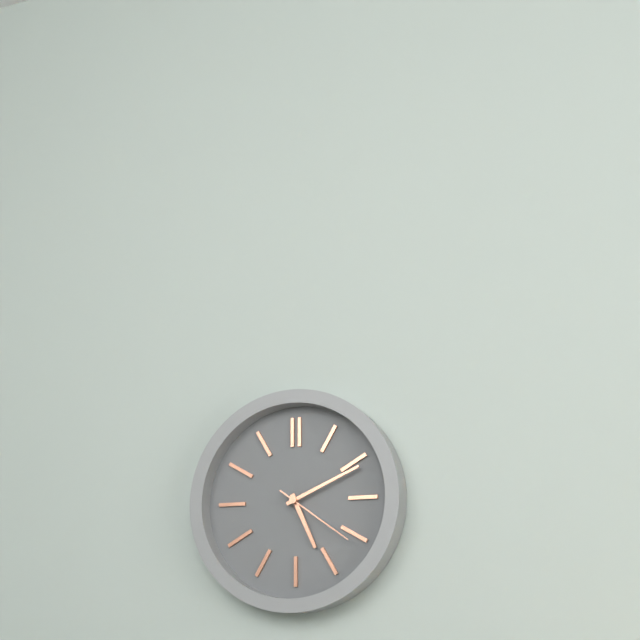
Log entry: {"hour": 5, "minute": 11, "second": 21}
